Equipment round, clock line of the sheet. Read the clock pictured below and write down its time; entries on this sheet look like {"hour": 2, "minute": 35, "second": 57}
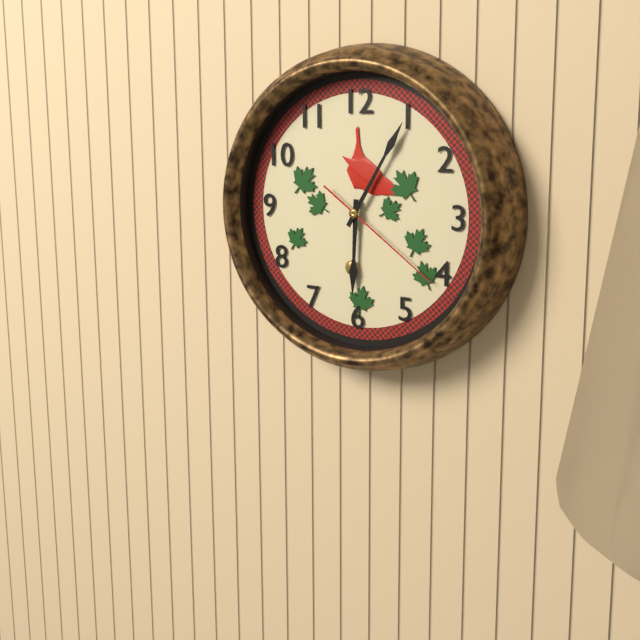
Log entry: {"hour": 6, "minute": 5, "second": 21}
